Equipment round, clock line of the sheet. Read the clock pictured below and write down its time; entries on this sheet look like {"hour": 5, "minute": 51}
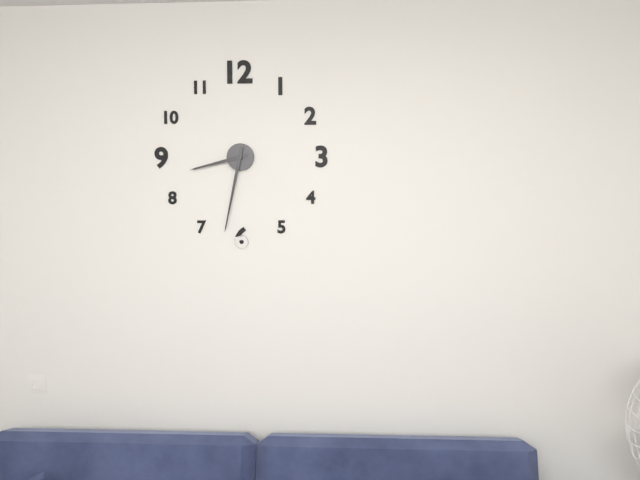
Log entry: {"hour": 8, "minute": 32}
